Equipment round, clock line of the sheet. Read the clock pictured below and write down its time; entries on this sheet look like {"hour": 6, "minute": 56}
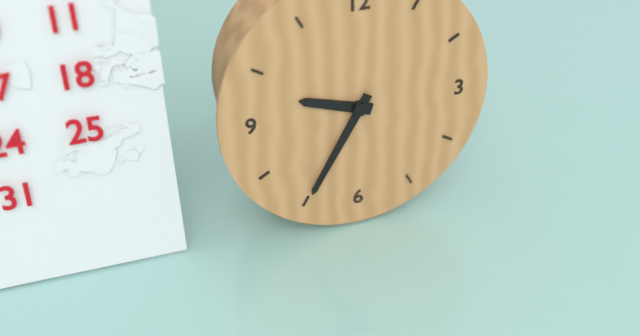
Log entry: {"hour": 9, "minute": 35}
